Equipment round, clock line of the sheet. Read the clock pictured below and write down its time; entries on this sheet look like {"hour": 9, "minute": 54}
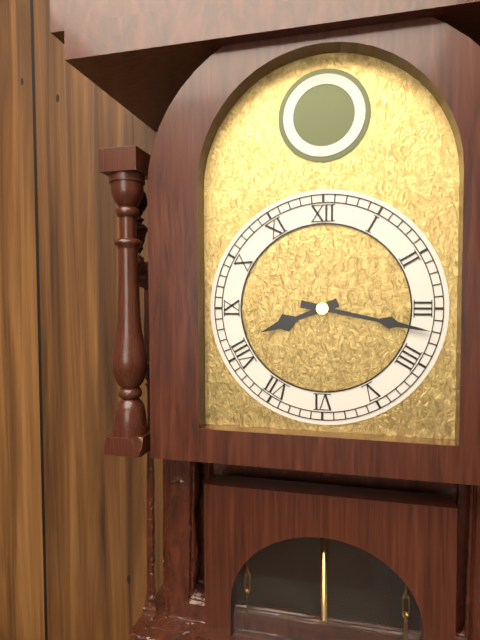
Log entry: {"hour": 8, "minute": 17}
